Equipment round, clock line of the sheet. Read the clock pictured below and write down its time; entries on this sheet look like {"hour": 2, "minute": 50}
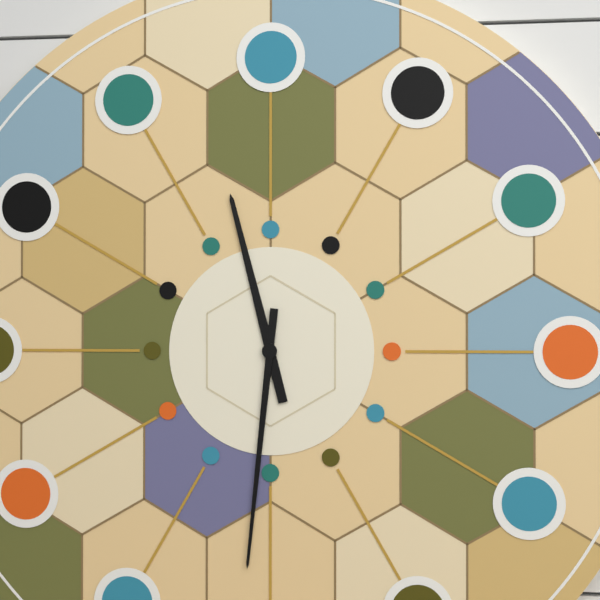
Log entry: {"hour": 11, "minute": 31}
